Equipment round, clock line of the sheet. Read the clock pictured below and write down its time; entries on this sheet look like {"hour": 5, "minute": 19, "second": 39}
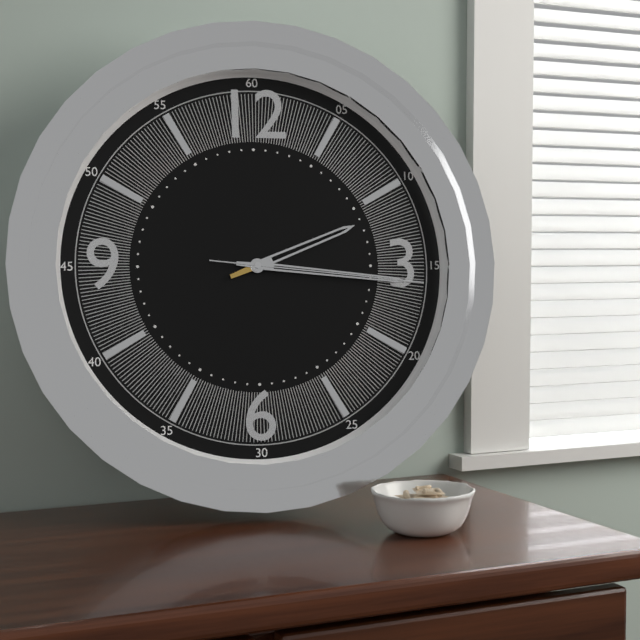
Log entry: {"hour": 2, "minute": 16, "second": 16}
